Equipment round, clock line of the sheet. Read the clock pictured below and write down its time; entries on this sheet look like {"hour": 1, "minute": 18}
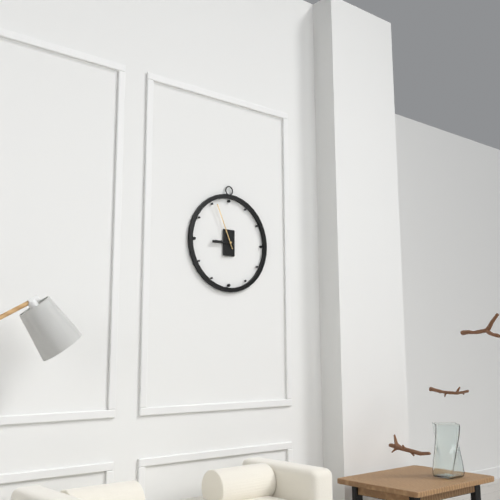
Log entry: {"hour": 8, "minute": 56}
